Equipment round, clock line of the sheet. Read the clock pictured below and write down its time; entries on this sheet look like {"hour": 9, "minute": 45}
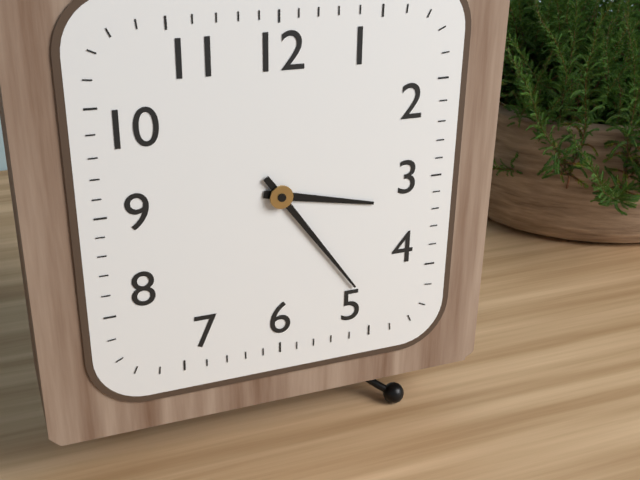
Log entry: {"hour": 3, "minute": 24}
